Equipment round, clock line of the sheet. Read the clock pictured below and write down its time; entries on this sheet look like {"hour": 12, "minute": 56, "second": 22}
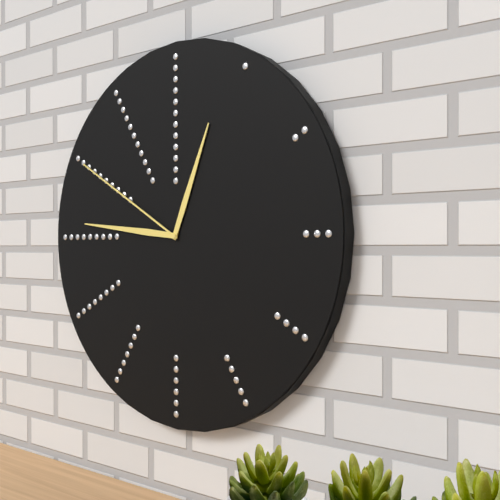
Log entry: {"hour": 12, "minute": 46, "second": 50}
